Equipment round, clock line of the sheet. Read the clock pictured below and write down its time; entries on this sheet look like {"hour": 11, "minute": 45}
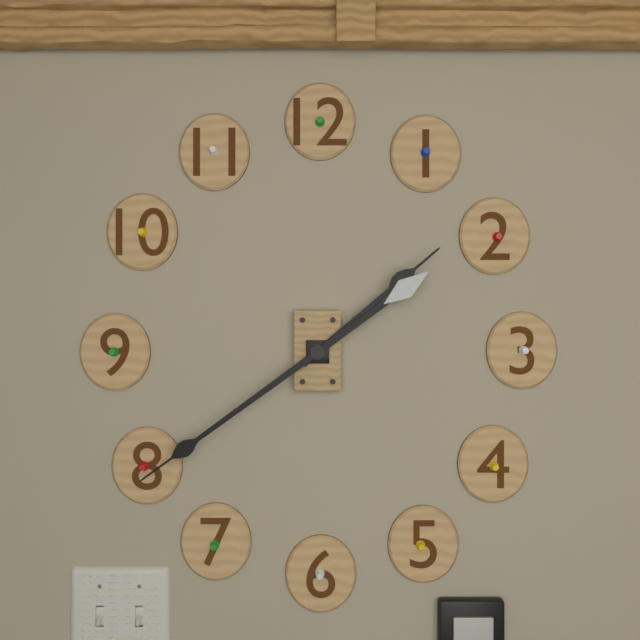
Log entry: {"hour": 1, "minute": 39}
